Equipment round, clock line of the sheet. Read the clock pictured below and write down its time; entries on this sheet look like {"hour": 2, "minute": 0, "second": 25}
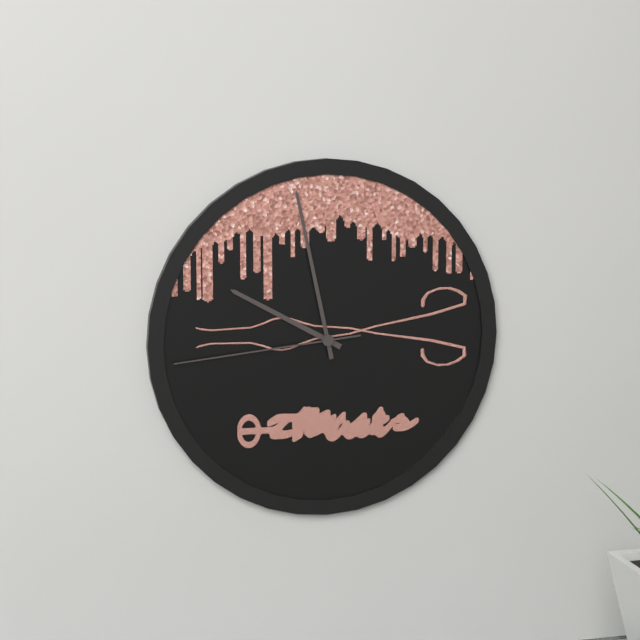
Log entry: {"hour": 9, "minute": 58, "second": 44}
